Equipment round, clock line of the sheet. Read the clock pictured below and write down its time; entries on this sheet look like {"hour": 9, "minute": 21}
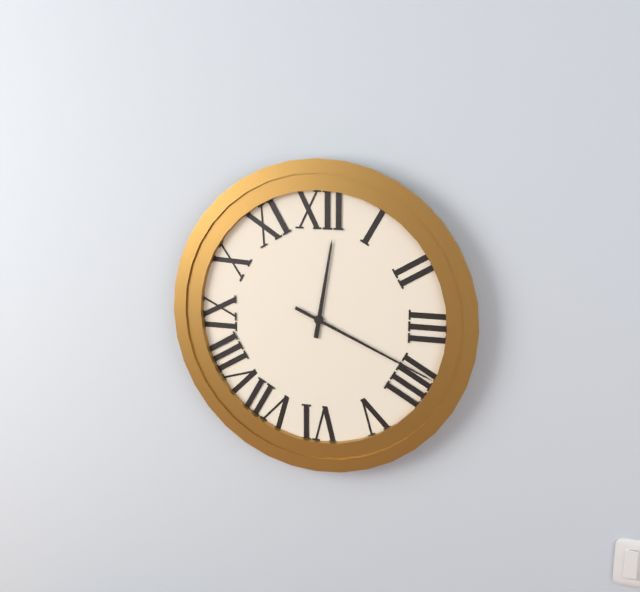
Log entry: {"hour": 12, "minute": 19}
